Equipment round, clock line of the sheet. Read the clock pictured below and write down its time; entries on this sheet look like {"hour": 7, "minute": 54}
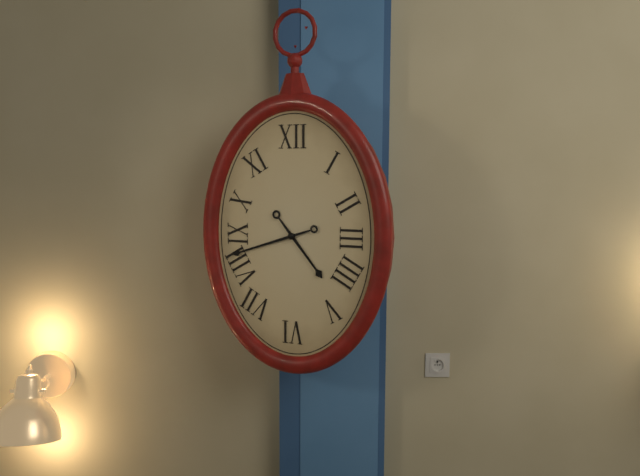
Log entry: {"hour": 4, "minute": 42}
